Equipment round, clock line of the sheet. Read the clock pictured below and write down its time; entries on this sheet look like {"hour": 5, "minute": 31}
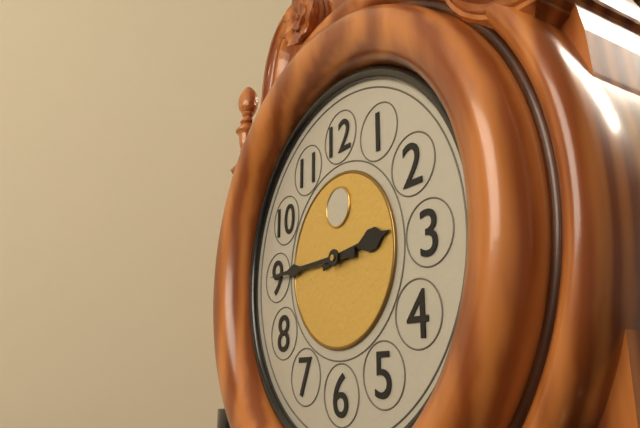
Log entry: {"hour": 2, "minute": 45}
